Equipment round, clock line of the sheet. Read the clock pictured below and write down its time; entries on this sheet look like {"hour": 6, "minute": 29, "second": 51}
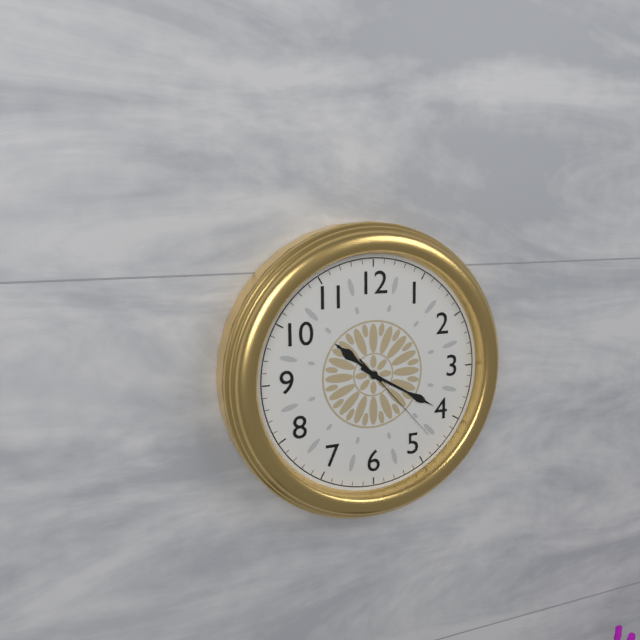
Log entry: {"hour": 10, "minute": 20, "second": 23}
